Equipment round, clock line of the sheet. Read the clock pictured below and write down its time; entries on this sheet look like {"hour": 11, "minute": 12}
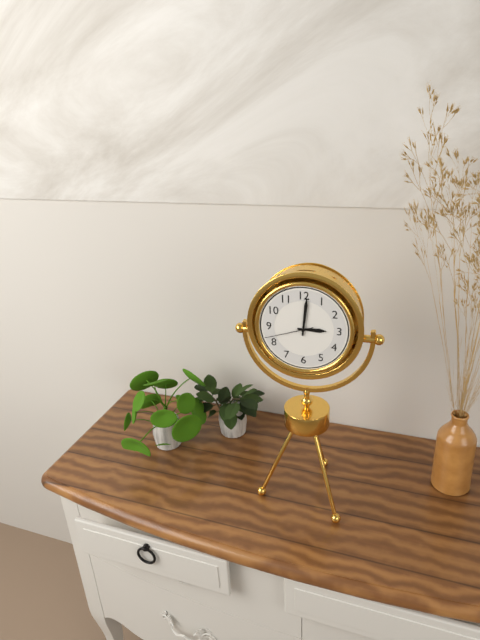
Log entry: {"hour": 3, "minute": 1}
